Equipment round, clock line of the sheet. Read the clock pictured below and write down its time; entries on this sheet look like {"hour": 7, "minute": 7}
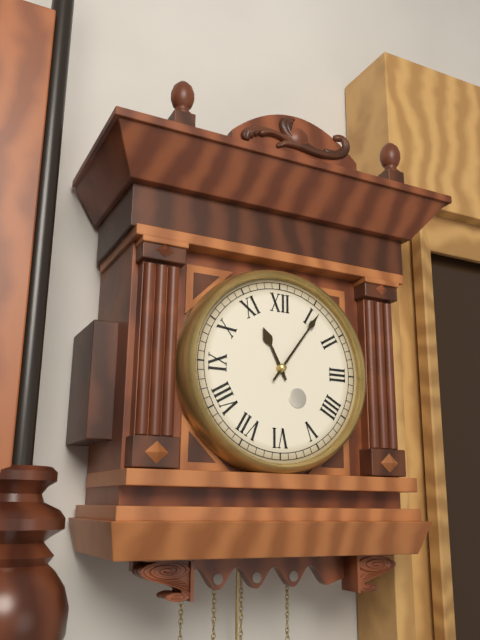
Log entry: {"hour": 11, "minute": 6}
